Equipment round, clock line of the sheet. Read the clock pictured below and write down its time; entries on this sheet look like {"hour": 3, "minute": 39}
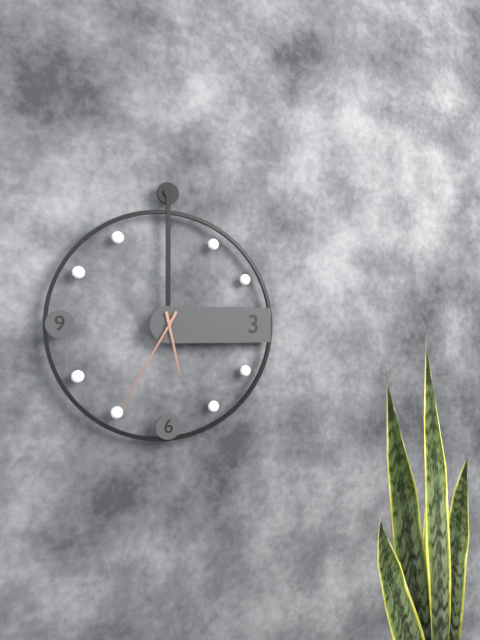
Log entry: {"hour": 5, "minute": 35}
